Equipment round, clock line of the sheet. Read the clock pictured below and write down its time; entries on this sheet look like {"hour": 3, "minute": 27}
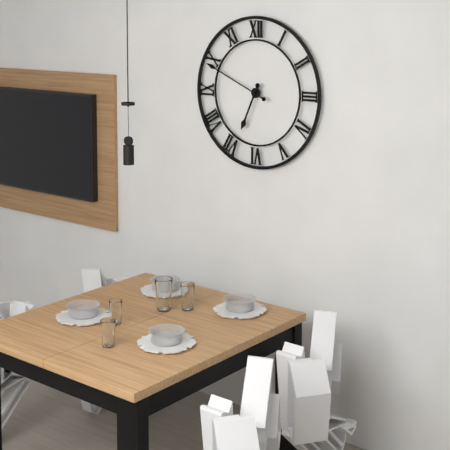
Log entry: {"hour": 6, "minute": 49}
